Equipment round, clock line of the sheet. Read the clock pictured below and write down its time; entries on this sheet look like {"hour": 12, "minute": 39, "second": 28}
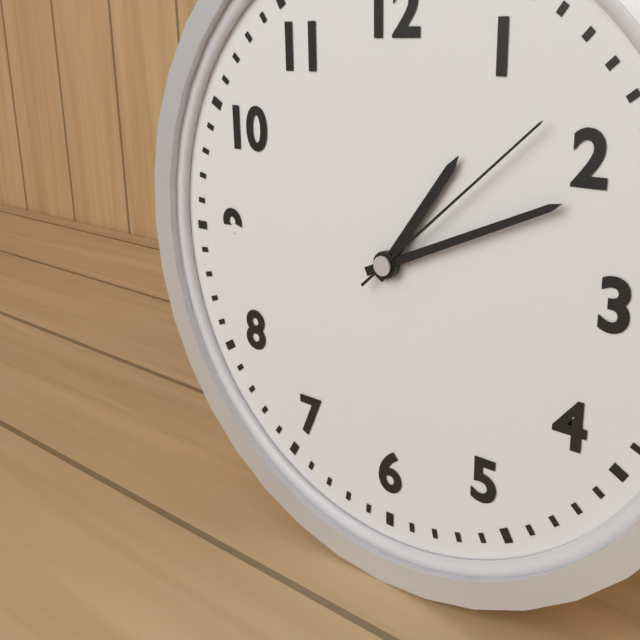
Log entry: {"hour": 1, "minute": 11, "second": 8}
